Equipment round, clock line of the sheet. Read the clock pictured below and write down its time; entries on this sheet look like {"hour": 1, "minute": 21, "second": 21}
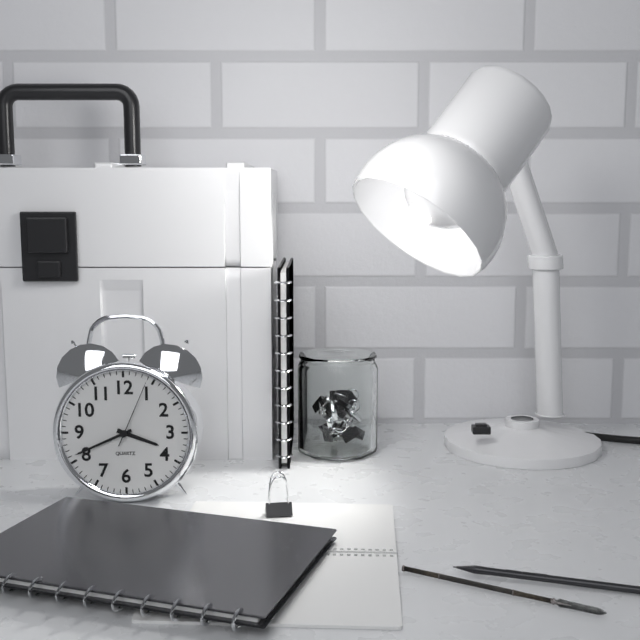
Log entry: {"hour": 3, "minute": 41, "second": 4}
